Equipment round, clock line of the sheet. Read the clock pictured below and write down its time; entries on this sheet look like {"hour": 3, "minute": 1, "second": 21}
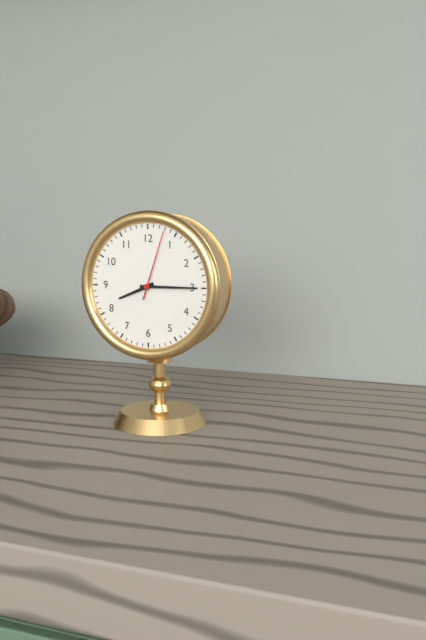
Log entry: {"hour": 8, "minute": 15, "second": 3}
